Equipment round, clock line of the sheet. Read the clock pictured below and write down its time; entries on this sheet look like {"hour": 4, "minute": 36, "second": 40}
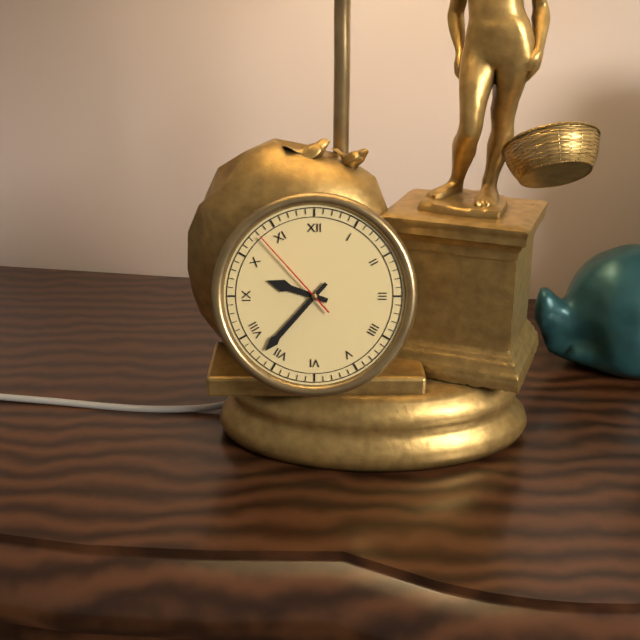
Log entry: {"hour": 9, "minute": 37, "second": 53}
